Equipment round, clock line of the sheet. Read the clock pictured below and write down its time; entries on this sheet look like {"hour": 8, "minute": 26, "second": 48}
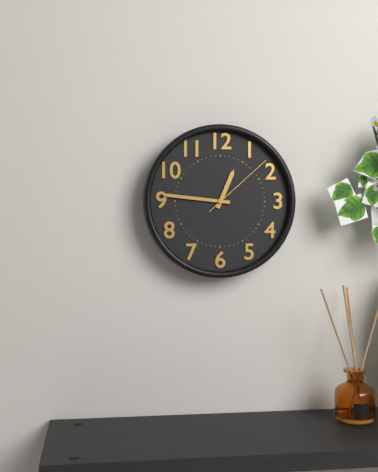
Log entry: {"hour": 12, "minute": 46, "second": 8}
